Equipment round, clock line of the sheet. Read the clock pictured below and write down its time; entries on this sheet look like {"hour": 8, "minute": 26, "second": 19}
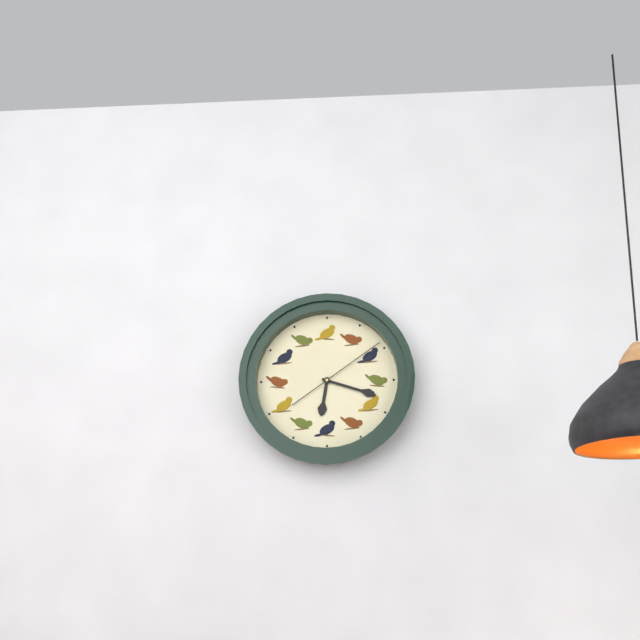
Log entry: {"hour": 6, "minute": 18, "second": 9}
